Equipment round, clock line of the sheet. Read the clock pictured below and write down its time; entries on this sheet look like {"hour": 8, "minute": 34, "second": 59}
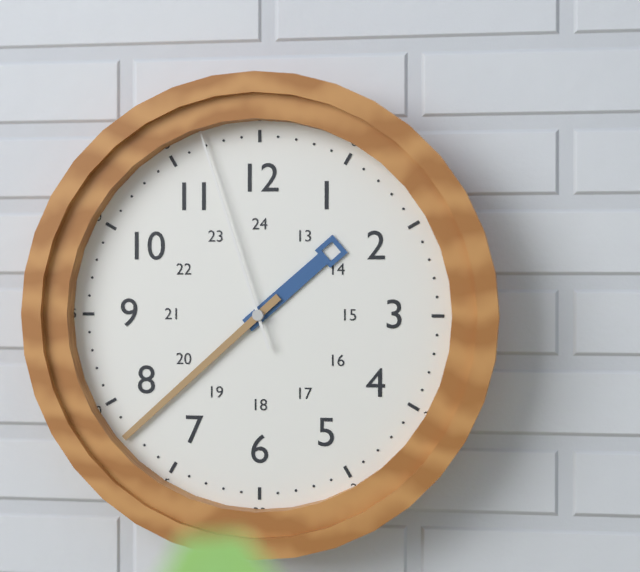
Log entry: {"hour": 1, "minute": 38, "second": 57}
